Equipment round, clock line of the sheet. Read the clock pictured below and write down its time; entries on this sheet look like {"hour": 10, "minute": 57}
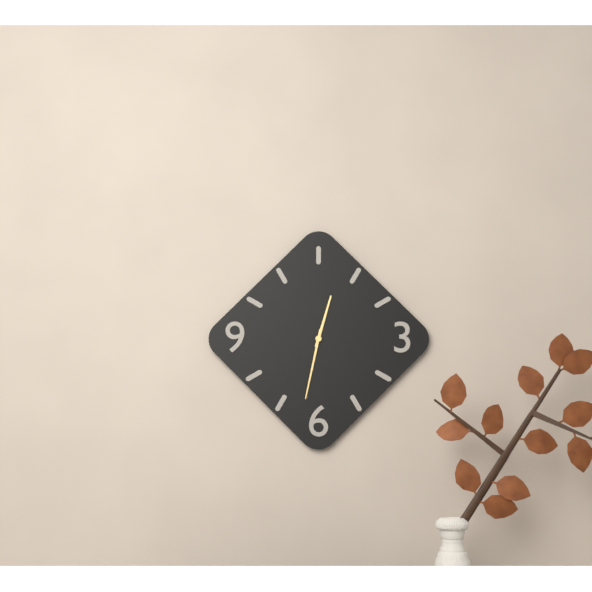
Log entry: {"hour": 12, "minute": 32}
